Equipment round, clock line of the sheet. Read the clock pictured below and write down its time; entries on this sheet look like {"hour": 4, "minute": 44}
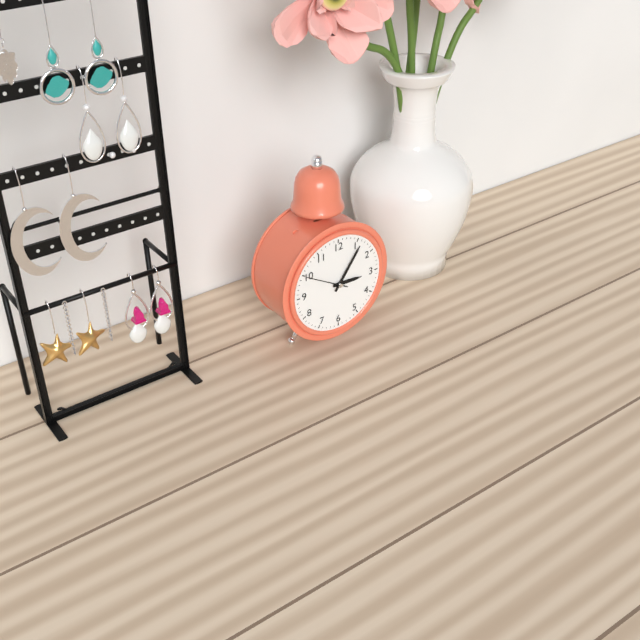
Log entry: {"hour": 3, "minute": 6}
